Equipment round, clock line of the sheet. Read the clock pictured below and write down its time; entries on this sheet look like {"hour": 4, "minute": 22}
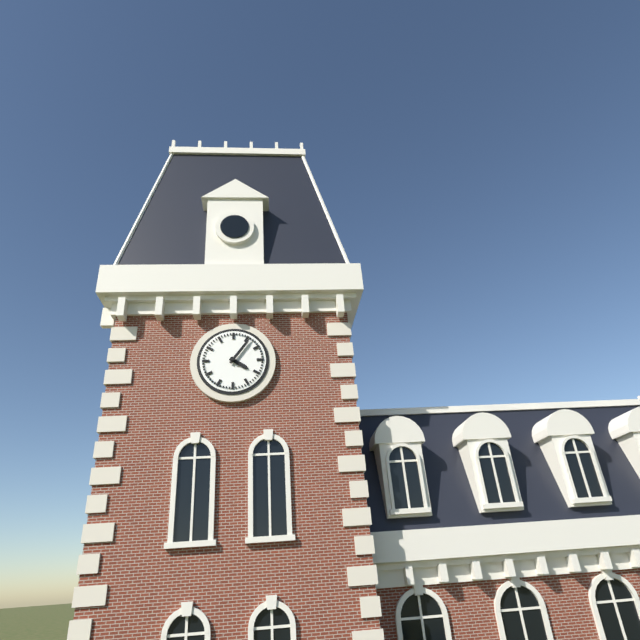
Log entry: {"hour": 4, "minute": 6}
